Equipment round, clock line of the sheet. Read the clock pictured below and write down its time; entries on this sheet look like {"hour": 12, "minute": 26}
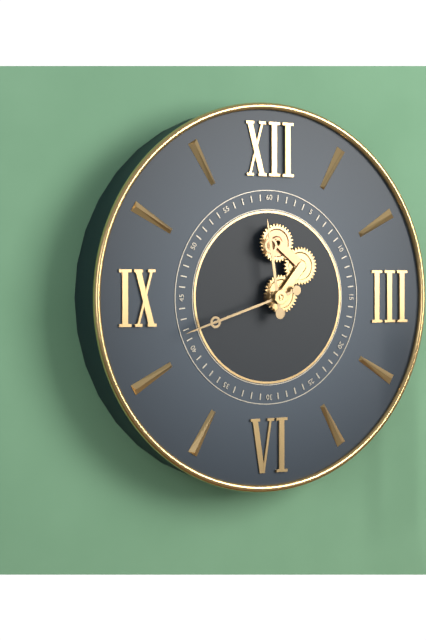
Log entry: {"hour": 11, "minute": 42}
